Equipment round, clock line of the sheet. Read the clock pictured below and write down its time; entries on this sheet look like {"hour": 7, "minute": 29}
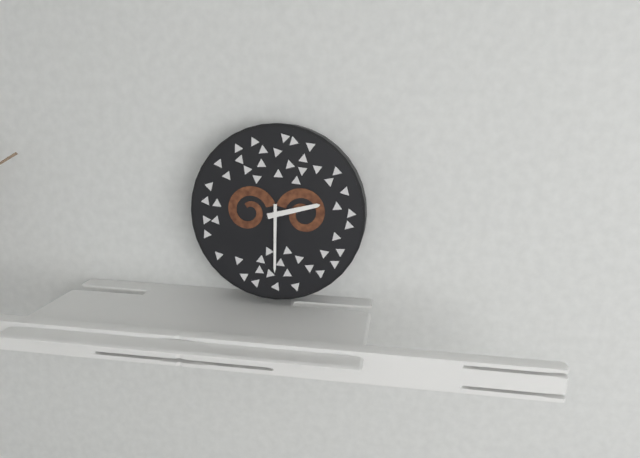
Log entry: {"hour": 2, "minute": 30}
